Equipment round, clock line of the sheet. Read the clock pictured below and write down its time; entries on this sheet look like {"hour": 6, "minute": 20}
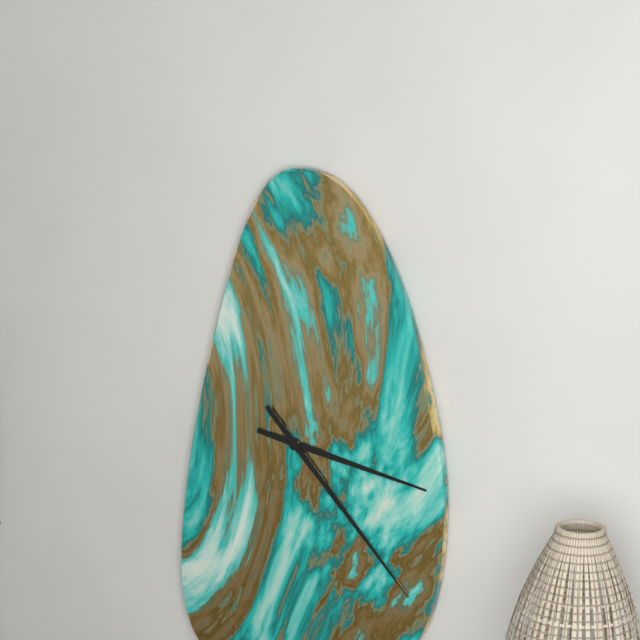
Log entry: {"hour": 3, "minute": 23}
